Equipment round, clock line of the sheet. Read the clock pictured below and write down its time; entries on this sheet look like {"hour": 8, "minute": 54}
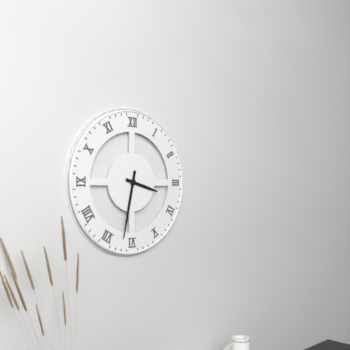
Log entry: {"hour": 3, "minute": 32}
